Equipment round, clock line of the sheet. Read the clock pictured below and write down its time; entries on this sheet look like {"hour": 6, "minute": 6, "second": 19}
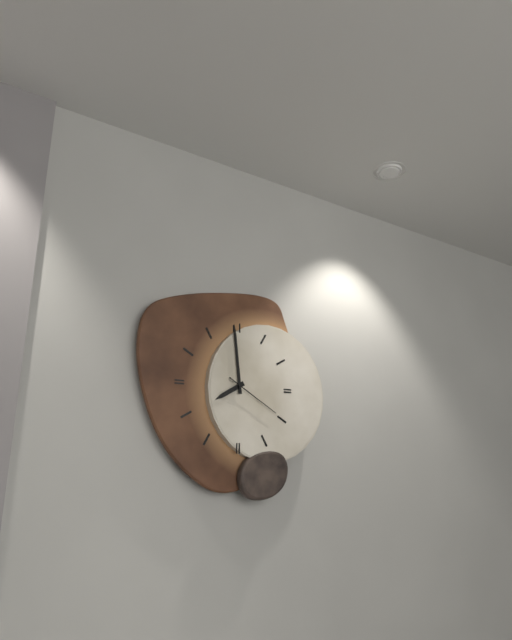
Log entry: {"hour": 7, "minute": 59, "second": 20}
